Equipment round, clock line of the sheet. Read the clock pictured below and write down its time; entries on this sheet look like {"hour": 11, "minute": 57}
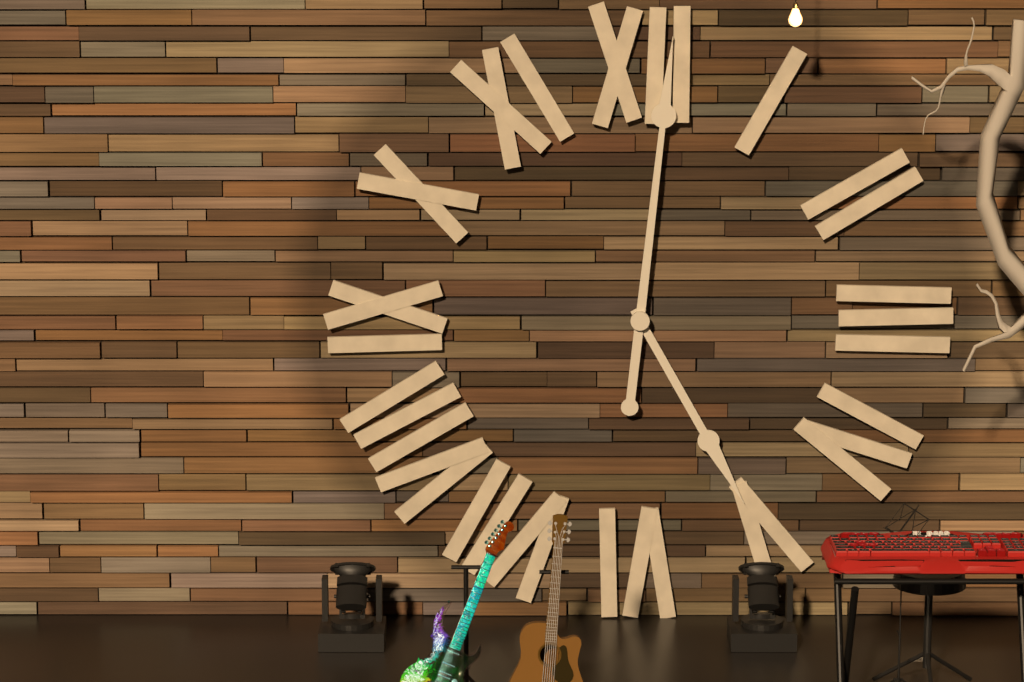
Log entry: {"hour": 5, "minute": 1}
